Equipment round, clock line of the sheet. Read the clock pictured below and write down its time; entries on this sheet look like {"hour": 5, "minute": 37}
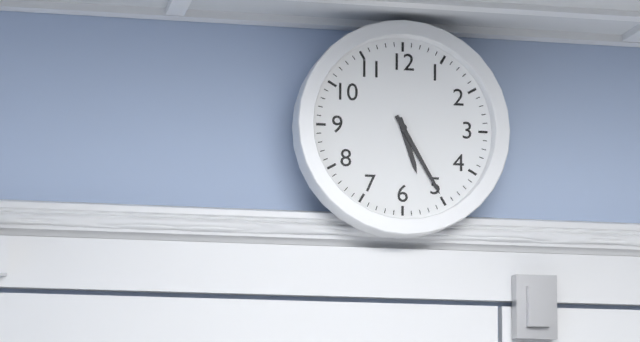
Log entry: {"hour": 5, "minute": 25}
